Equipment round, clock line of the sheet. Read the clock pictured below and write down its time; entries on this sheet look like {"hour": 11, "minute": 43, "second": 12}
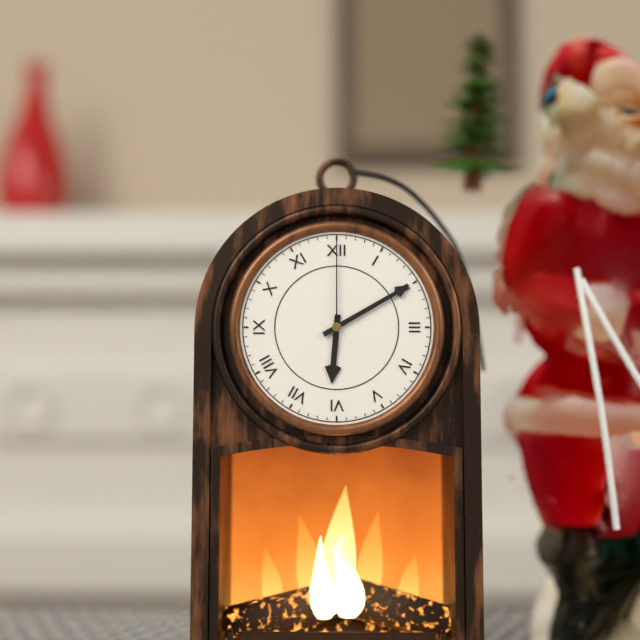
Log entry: {"hour": 6, "minute": 10, "second": 0}
